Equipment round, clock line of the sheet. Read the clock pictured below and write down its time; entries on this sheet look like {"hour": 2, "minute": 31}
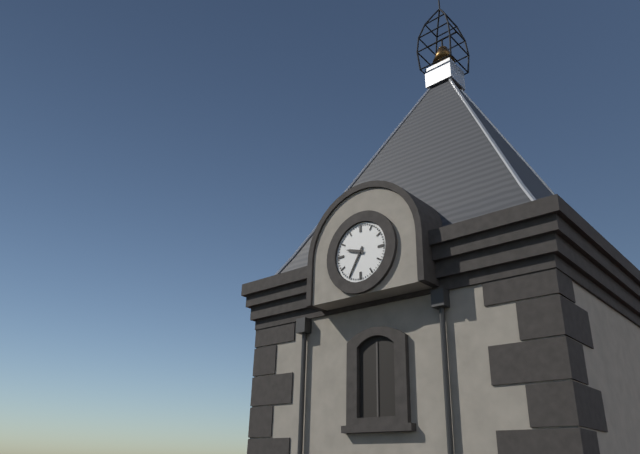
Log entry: {"hour": 9, "minute": 35}
